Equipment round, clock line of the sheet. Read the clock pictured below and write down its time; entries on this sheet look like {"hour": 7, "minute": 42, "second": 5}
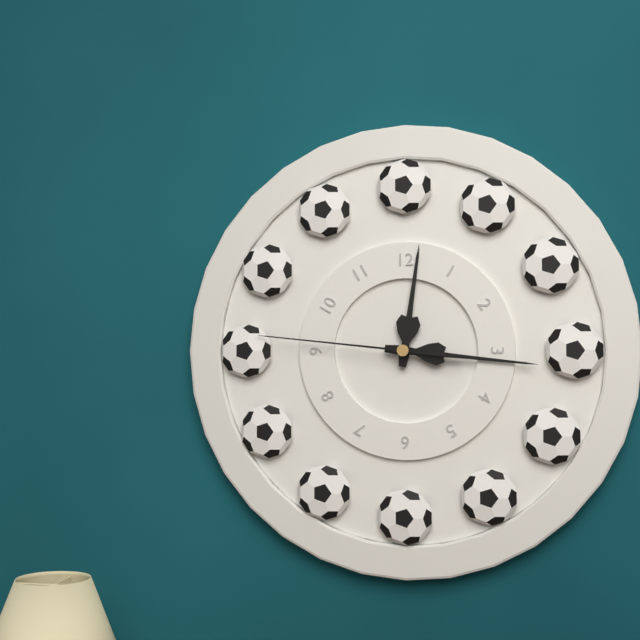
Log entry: {"hour": 12, "minute": 16, "second": 46}
